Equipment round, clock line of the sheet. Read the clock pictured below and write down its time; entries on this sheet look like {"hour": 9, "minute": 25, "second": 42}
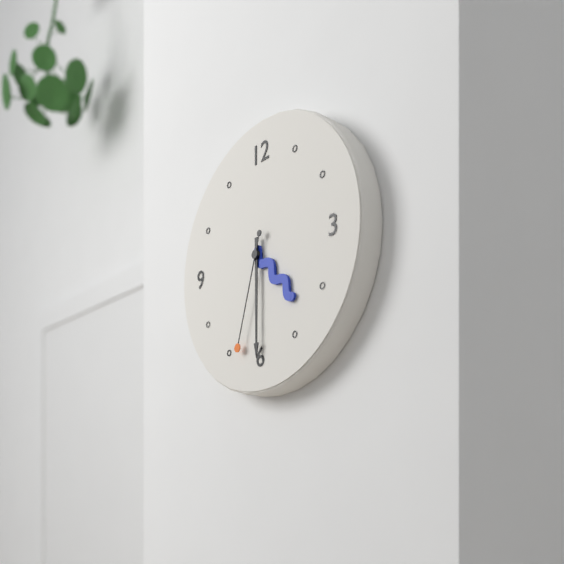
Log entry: {"hour": 4, "minute": 30, "second": 33}
